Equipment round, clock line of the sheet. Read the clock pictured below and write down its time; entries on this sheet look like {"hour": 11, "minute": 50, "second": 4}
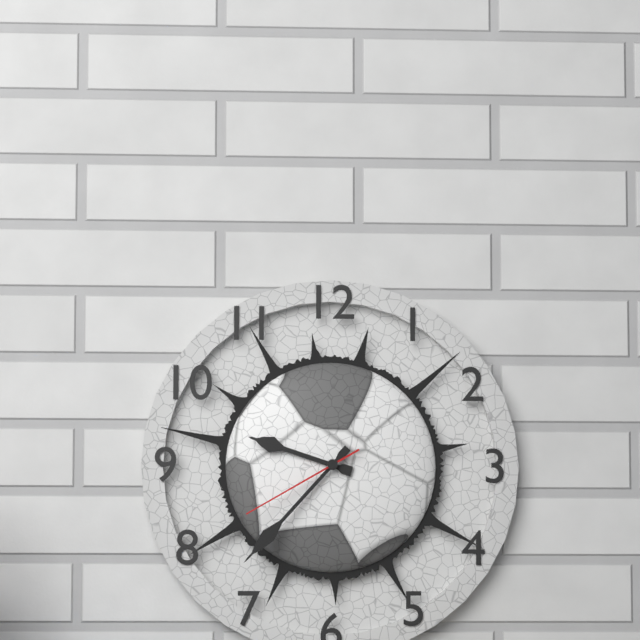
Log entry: {"hour": 9, "minute": 37, "second": 40}
